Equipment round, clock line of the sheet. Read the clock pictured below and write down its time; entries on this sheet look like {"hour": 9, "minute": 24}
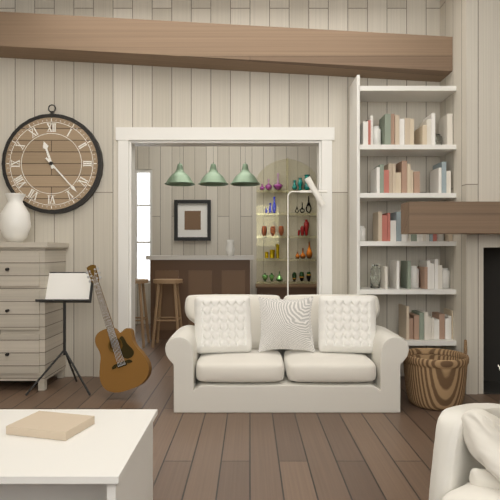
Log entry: {"hour": 11, "minute": 23}
